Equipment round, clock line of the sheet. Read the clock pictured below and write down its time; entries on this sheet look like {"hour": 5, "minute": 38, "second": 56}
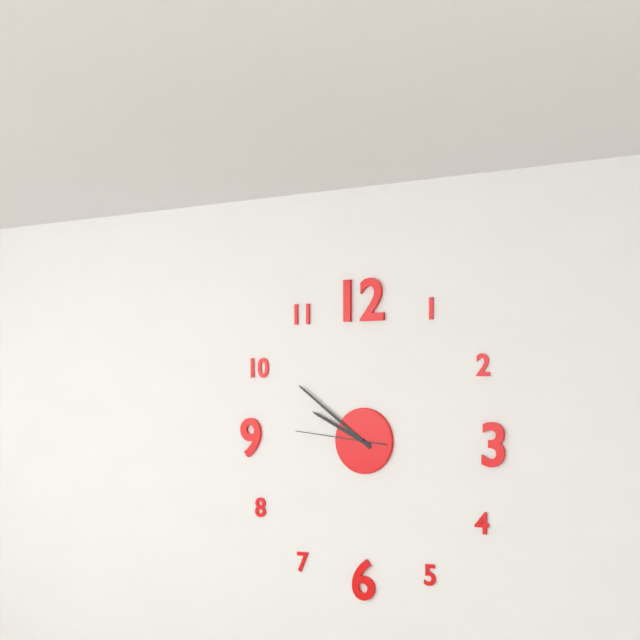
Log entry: {"hour": 9, "minute": 51, "second": 46}
